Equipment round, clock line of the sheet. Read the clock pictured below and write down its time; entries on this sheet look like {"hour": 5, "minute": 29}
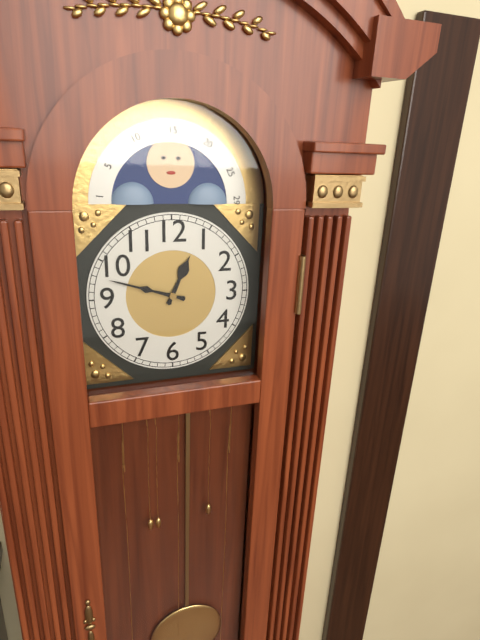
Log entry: {"hour": 12, "minute": 48}
